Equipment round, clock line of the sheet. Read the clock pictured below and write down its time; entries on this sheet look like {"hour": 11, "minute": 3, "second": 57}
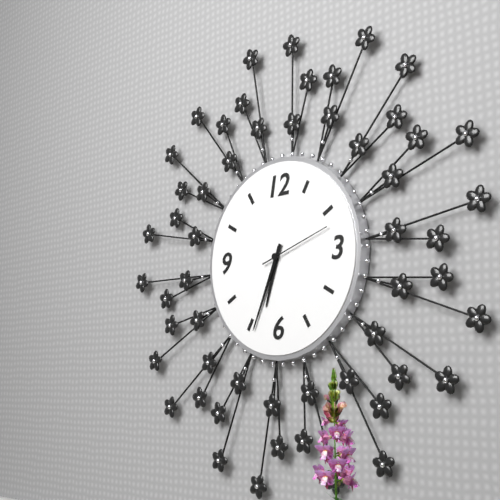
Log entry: {"hour": 6, "minute": 34, "second": 12}
